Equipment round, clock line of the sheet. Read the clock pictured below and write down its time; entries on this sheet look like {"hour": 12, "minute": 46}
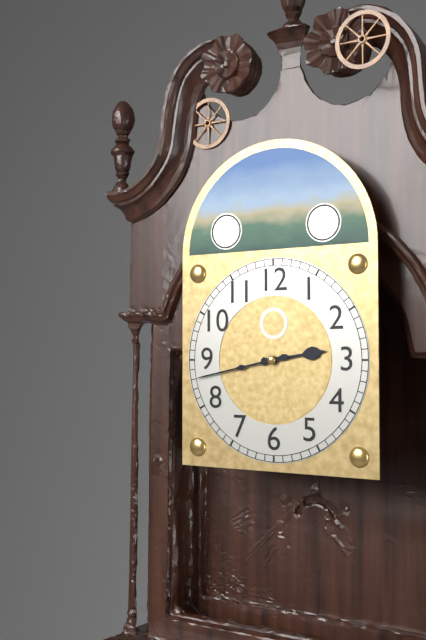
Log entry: {"hour": 2, "minute": 43}
